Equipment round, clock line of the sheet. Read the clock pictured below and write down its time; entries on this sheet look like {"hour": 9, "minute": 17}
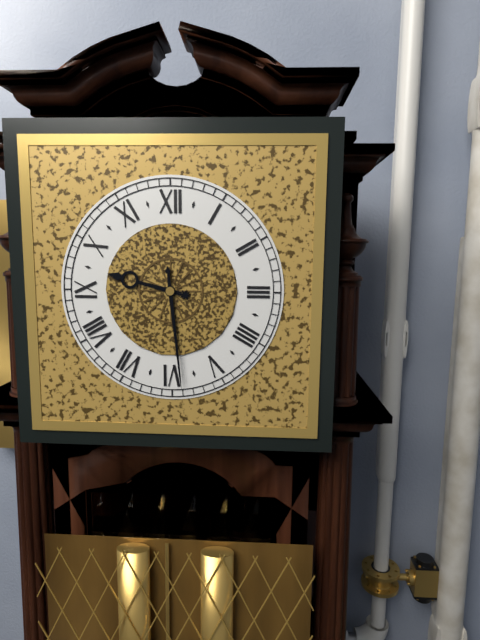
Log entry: {"hour": 9, "minute": 29}
